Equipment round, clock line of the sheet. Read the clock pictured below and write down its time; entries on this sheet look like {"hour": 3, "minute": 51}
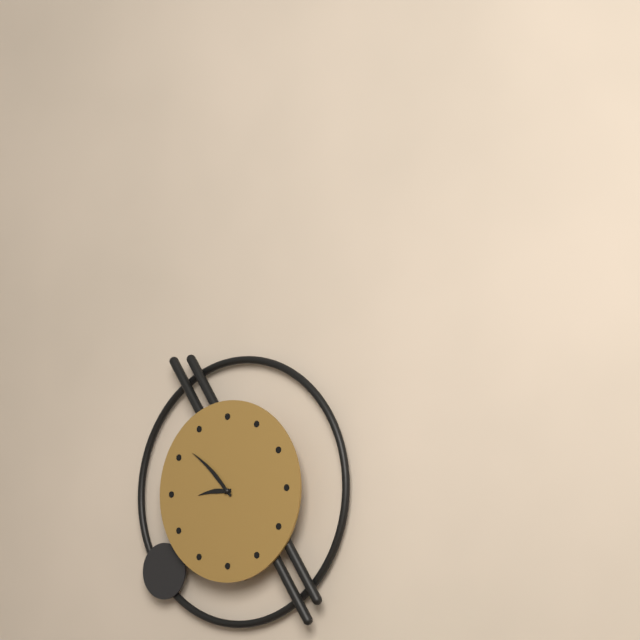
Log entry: {"hour": 8, "minute": 52}
